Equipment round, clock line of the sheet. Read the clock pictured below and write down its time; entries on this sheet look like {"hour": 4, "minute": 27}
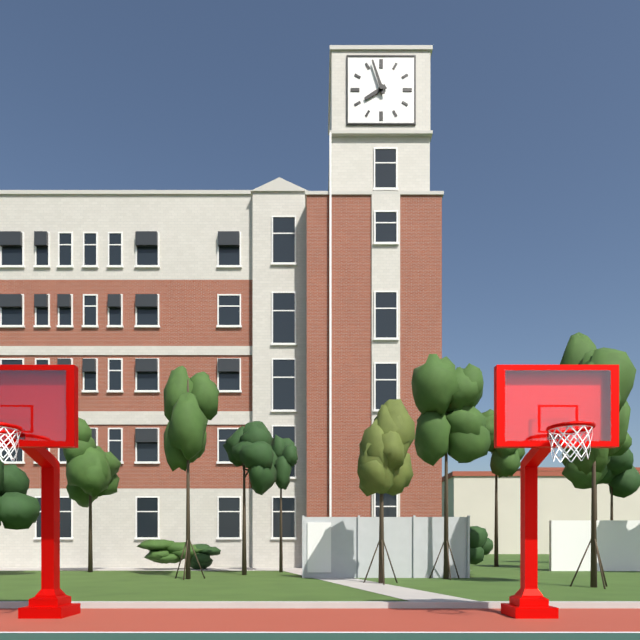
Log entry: {"hour": 7, "minute": 57}
